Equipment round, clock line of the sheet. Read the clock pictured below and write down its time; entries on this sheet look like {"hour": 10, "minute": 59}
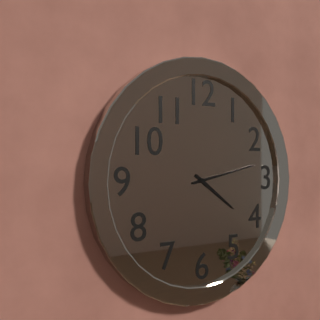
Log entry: {"hour": 4, "minute": 13}
